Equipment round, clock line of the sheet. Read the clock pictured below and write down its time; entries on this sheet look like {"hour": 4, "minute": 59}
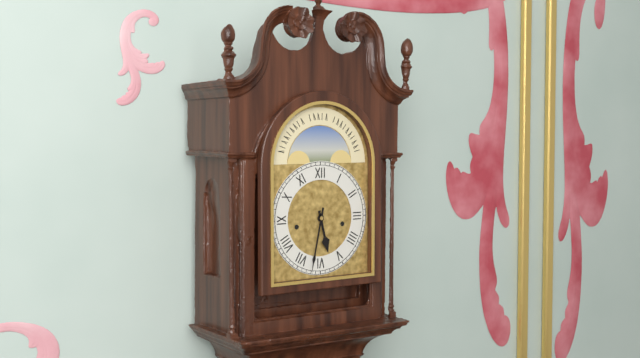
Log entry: {"hour": 5, "minute": 32}
